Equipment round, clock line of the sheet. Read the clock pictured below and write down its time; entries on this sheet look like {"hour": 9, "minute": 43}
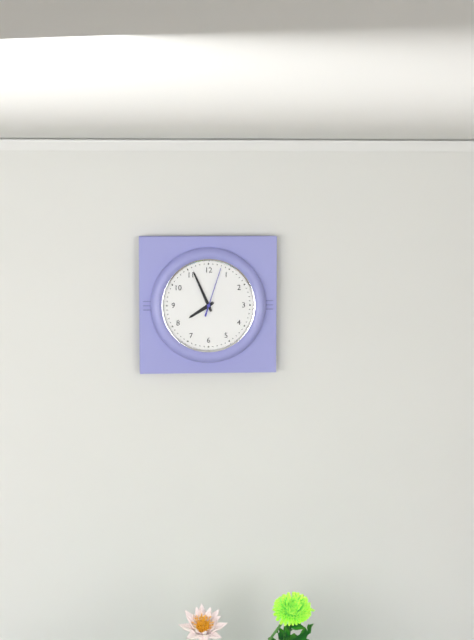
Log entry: {"hour": 7, "minute": 56}
